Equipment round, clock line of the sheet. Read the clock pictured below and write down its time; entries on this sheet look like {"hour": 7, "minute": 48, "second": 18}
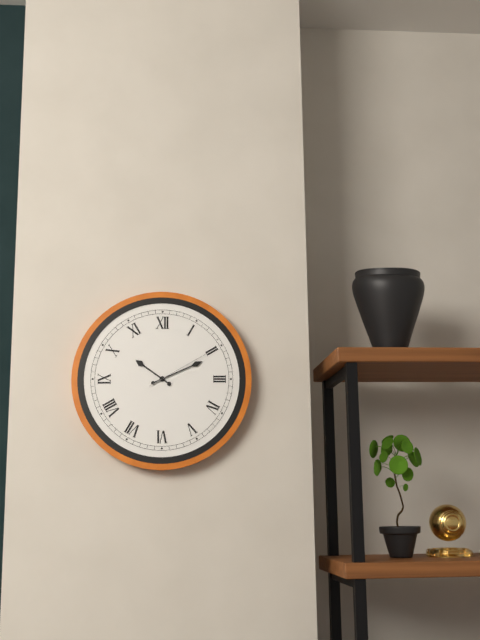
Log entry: {"hour": 10, "minute": 11, "second": 10}
